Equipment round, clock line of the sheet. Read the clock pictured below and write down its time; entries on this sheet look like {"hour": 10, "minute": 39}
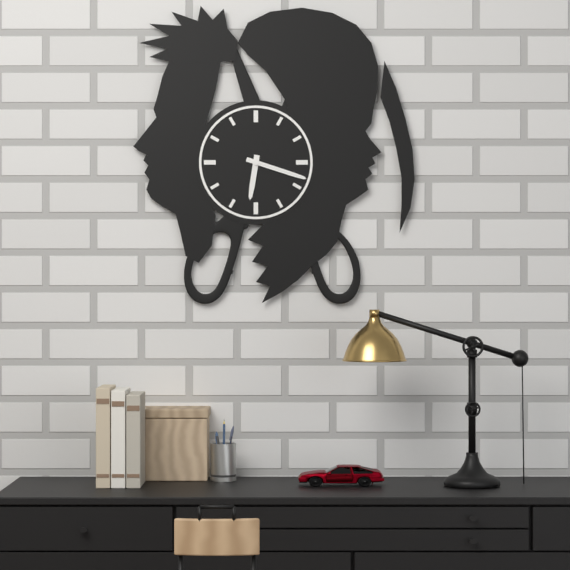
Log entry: {"hour": 6, "minute": 18}
